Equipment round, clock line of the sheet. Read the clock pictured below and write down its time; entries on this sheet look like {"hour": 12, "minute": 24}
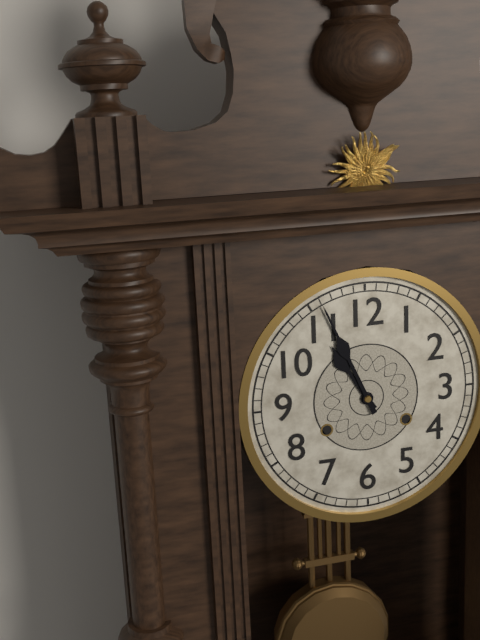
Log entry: {"hour": 10, "minute": 56}
